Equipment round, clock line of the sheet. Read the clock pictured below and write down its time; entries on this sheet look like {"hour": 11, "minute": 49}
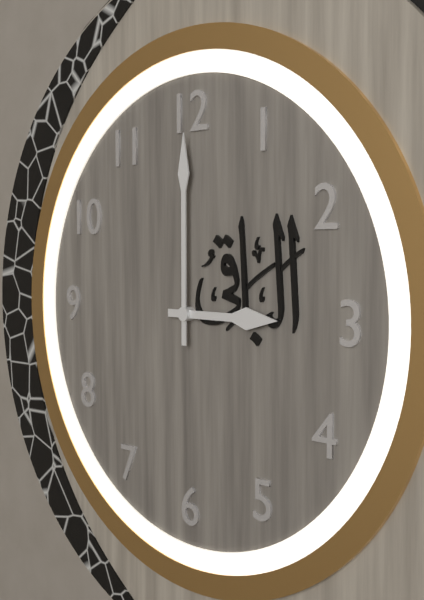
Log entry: {"hour": 3, "minute": 0}
